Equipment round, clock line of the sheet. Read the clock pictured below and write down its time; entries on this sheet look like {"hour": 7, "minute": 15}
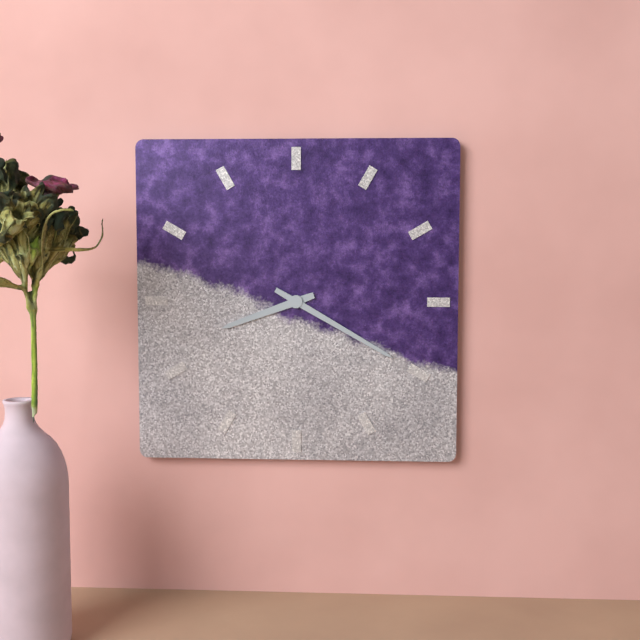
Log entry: {"hour": 8, "minute": 20}
